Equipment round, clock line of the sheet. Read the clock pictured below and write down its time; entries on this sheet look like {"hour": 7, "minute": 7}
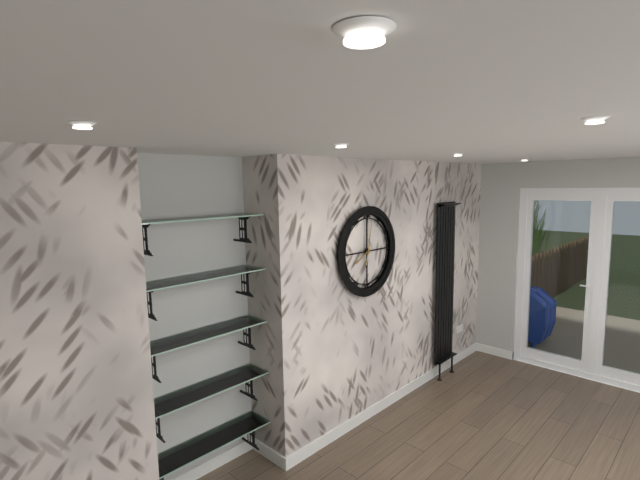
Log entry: {"hour": 8, "minute": 2}
